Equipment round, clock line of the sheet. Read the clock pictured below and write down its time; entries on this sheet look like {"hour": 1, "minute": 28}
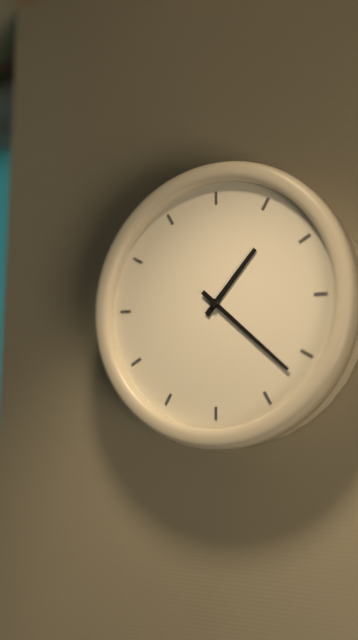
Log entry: {"hour": 1, "minute": 22}
